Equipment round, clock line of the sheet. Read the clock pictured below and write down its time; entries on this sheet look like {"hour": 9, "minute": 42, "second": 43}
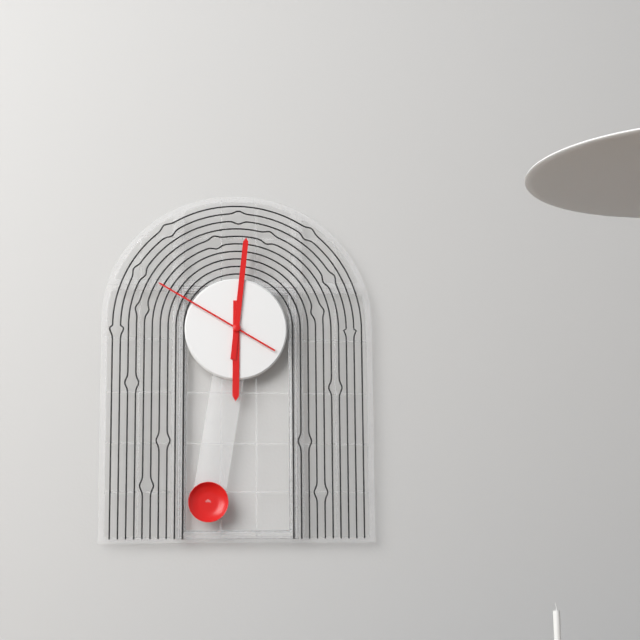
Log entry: {"hour": 6, "minute": 1, "second": 50}
